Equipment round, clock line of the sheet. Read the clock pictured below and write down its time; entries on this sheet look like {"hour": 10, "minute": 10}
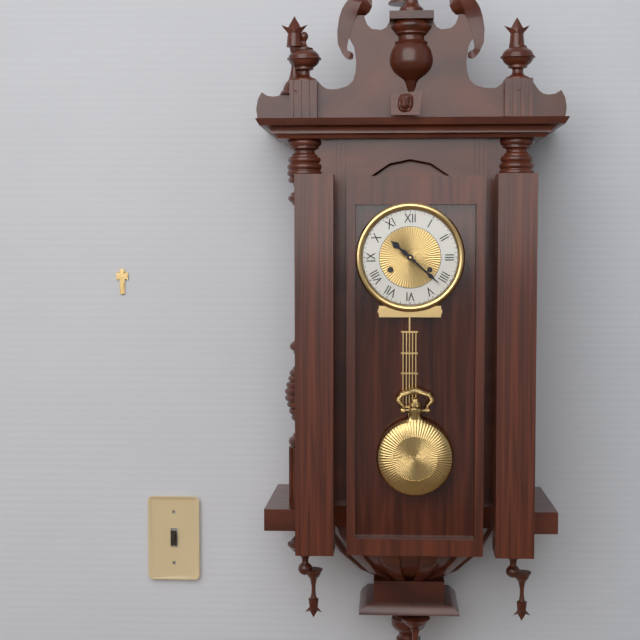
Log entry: {"hour": 10, "minute": 22}
